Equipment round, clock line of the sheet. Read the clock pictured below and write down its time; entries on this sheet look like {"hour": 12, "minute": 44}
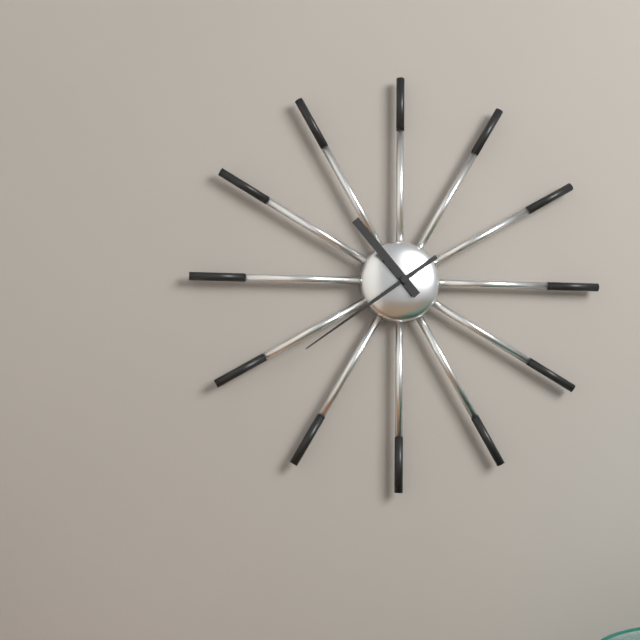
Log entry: {"hour": 10, "minute": 39}
